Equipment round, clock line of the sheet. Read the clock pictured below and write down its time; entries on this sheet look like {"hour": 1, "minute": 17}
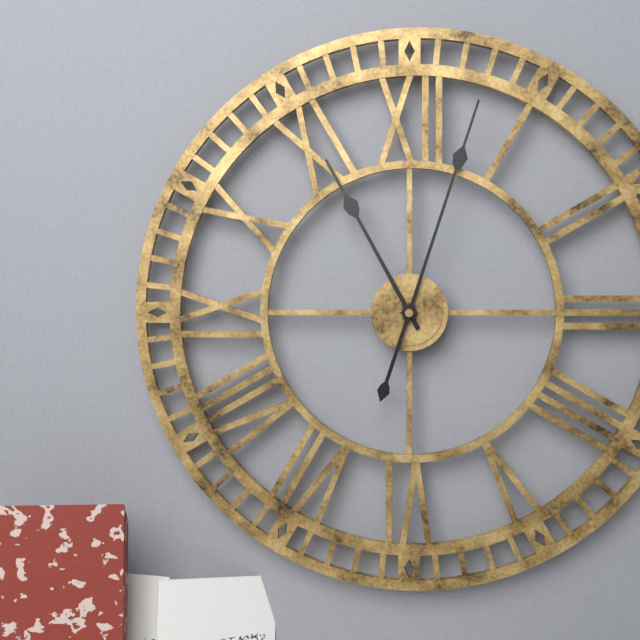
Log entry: {"hour": 11, "minute": 3}
